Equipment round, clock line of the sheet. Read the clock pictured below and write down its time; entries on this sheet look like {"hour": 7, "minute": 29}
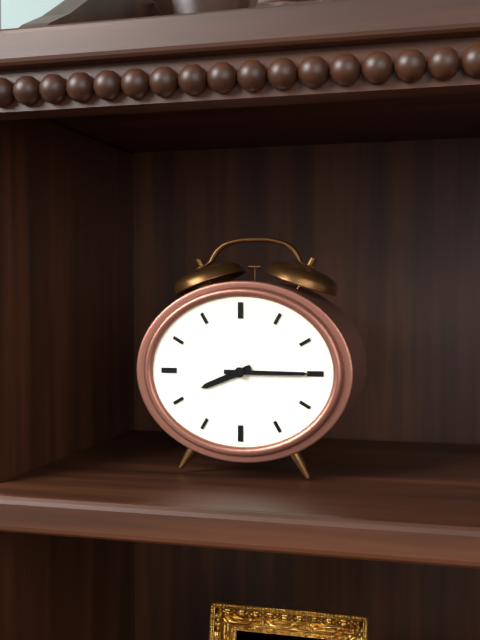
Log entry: {"hour": 8, "minute": 15}
